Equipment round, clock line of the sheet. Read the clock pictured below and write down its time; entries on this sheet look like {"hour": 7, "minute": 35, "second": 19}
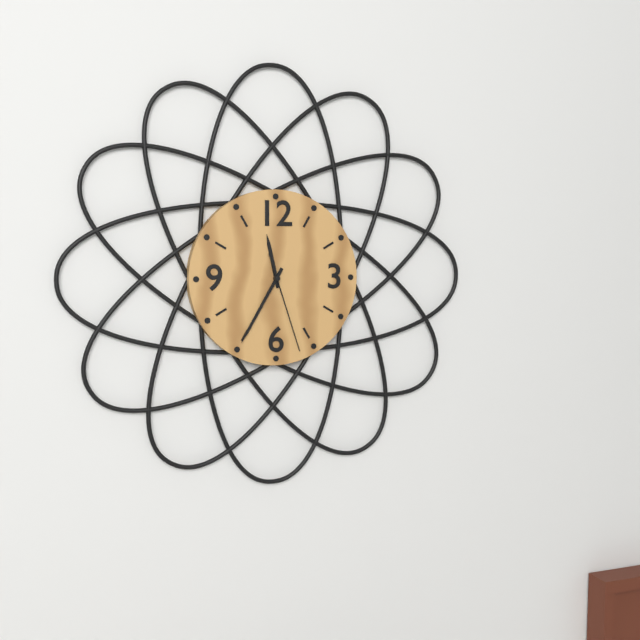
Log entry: {"hour": 11, "minute": 35, "second": 27}
